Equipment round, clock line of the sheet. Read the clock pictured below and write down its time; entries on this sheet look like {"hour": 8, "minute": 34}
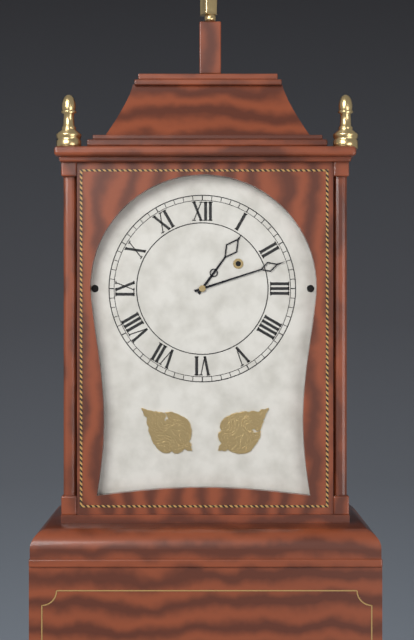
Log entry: {"hour": 1, "minute": 12}
